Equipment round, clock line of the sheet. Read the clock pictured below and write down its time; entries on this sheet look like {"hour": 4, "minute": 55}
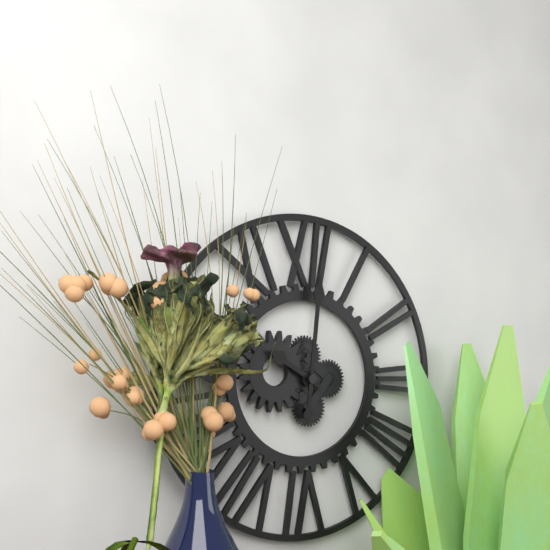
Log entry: {"hour": 10, "minute": 1}
